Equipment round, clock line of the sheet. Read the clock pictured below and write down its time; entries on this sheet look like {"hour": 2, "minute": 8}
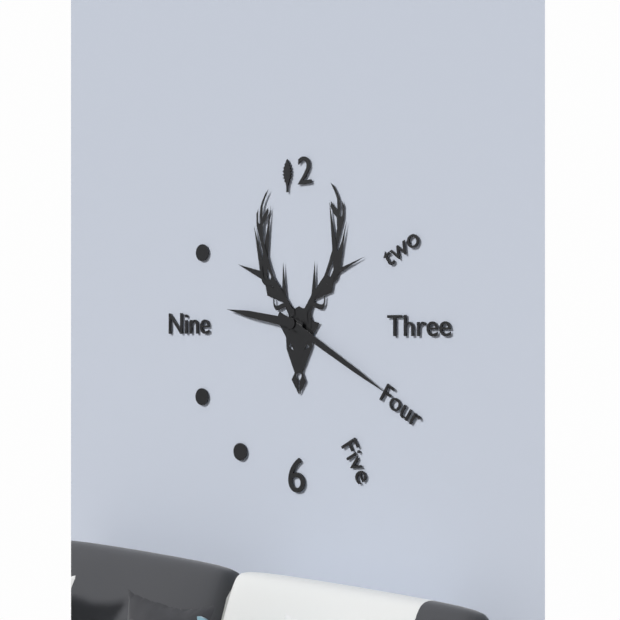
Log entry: {"hour": 9, "minute": 20}
